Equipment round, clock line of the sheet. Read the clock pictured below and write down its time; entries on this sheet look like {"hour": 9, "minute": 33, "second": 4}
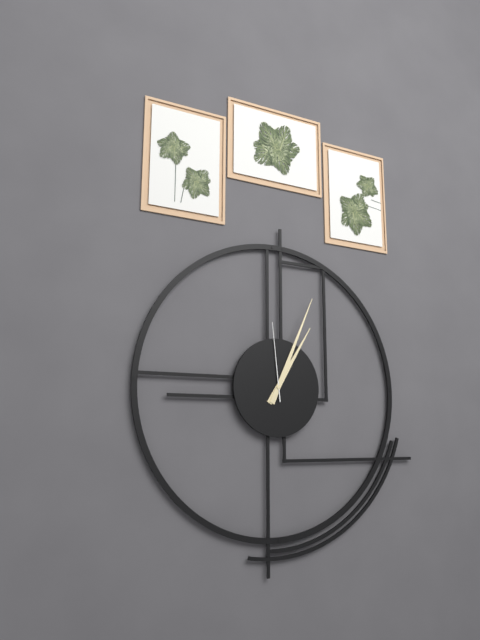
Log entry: {"hour": 1, "minute": 4, "second": 59}
